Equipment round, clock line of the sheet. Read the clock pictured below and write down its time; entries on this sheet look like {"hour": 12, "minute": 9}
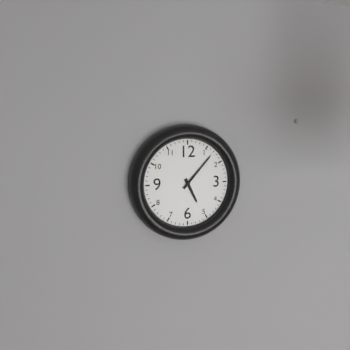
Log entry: {"hour": 5, "minute": 7}
